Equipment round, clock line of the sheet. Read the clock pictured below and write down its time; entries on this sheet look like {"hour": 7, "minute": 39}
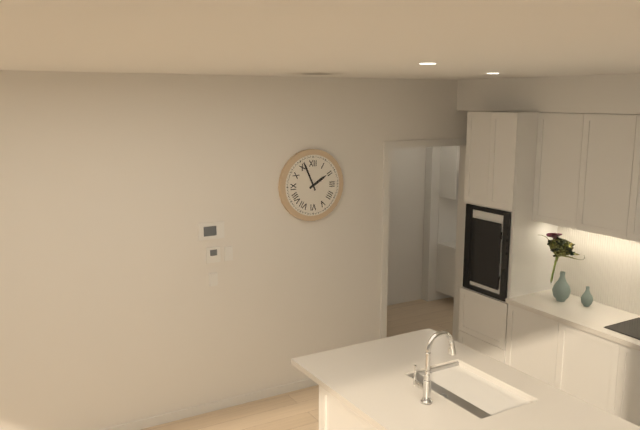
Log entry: {"hour": 1, "minute": 56}
